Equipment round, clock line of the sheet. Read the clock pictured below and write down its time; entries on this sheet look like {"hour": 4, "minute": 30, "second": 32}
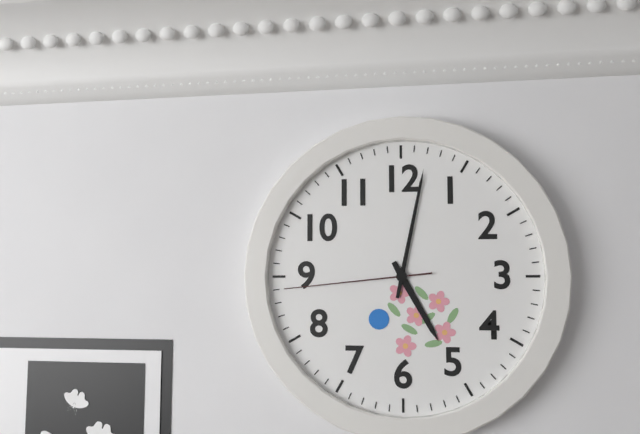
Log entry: {"hour": 5, "minute": 2, "second": 44}
